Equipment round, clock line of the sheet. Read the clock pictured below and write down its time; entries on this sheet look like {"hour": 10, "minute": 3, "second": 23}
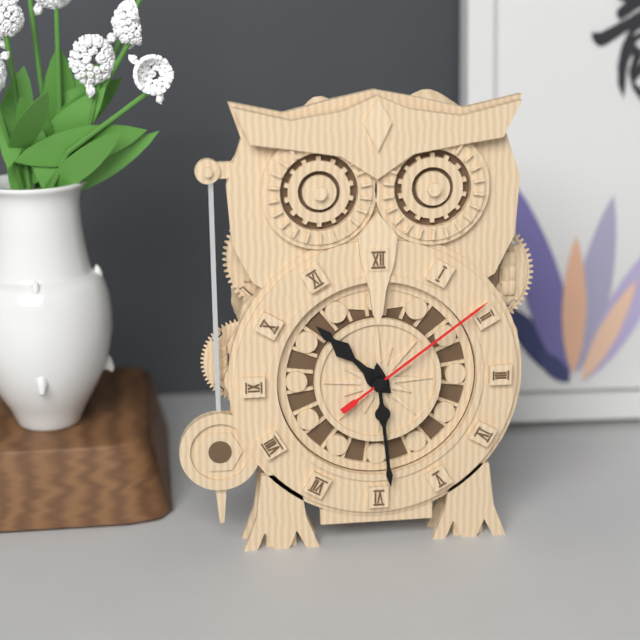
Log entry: {"hour": 10, "minute": 29, "second": 9}
